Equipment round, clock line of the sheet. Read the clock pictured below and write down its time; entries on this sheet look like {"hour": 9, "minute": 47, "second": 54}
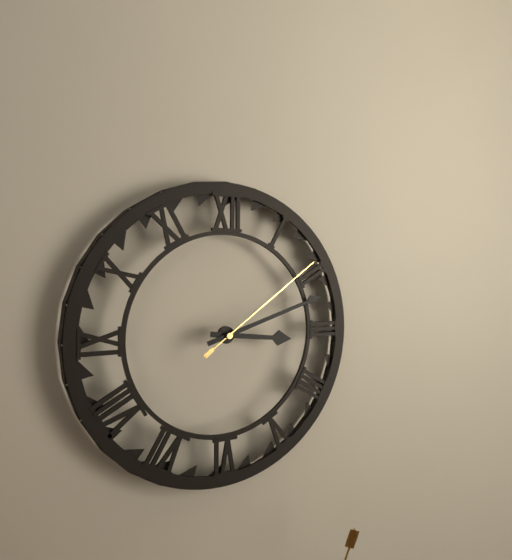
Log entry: {"hour": 3, "minute": 12, "second": 9}
